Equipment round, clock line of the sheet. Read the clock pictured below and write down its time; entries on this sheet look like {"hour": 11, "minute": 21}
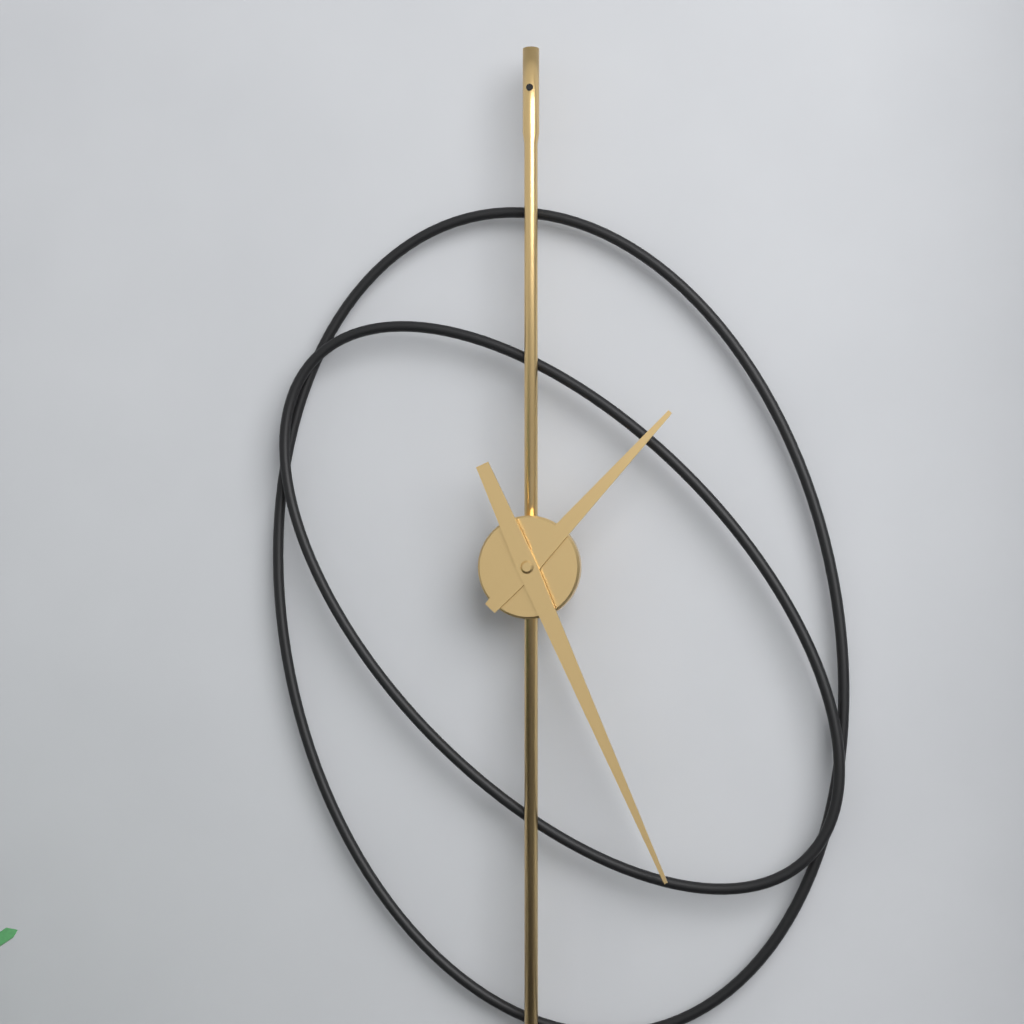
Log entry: {"hour": 1, "minute": 26}
